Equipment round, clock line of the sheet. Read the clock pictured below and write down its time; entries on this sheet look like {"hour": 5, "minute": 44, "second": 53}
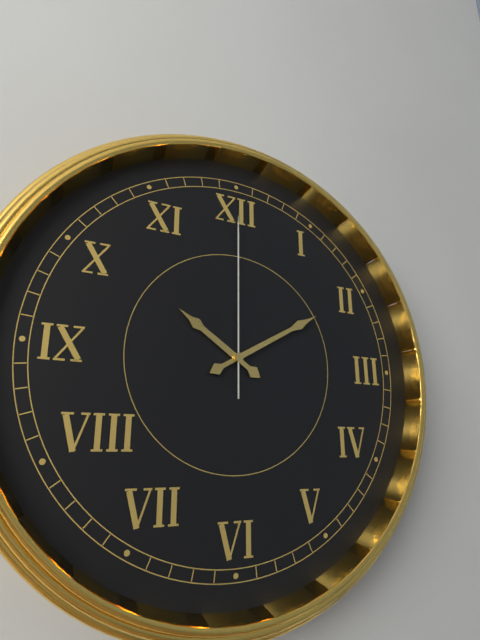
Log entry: {"hour": 10, "minute": 10, "second": 0}
